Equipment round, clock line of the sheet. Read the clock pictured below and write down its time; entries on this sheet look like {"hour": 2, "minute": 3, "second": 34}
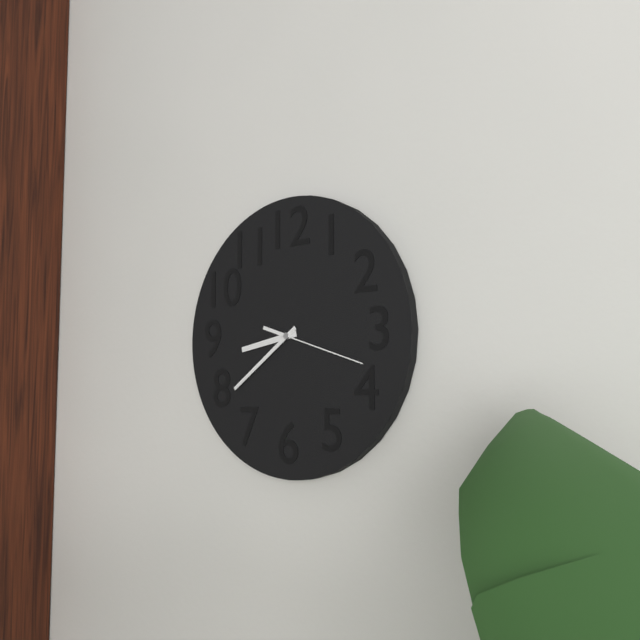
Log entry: {"hour": 8, "minute": 39, "second": 18}
